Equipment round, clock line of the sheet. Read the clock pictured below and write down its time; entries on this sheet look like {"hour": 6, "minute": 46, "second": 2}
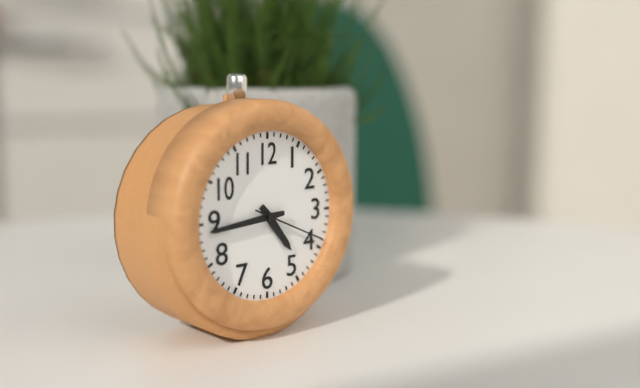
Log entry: {"hour": 4, "minute": 44, "second": 19}
